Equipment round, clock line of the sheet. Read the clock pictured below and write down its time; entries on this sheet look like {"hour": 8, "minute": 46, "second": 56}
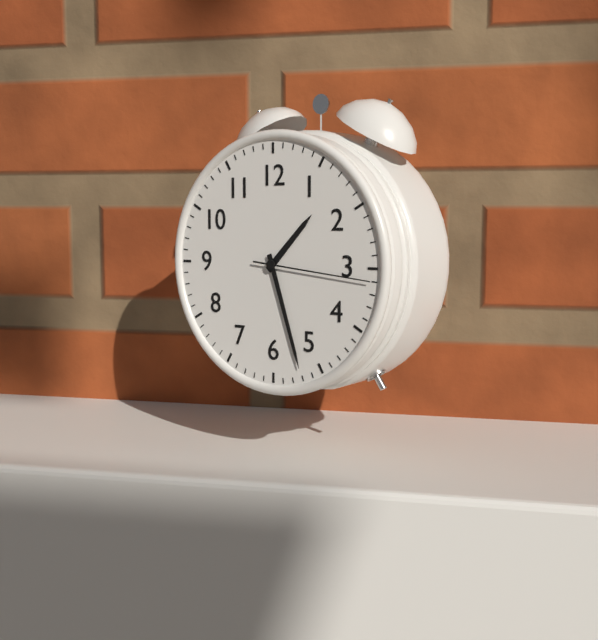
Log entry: {"hour": 1, "minute": 27, "second": 16}
